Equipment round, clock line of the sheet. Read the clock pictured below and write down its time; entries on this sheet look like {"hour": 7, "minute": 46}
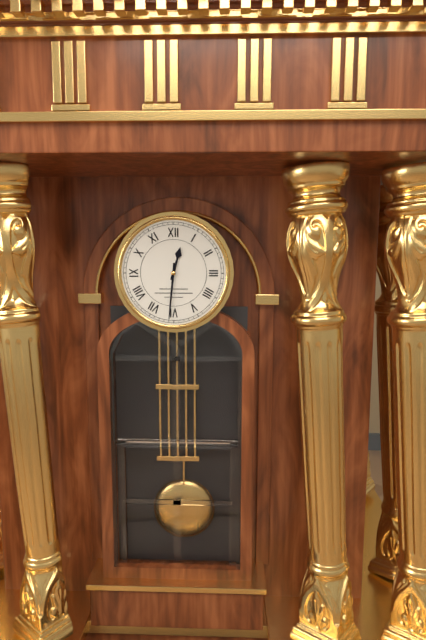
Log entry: {"hour": 12, "minute": 31}
